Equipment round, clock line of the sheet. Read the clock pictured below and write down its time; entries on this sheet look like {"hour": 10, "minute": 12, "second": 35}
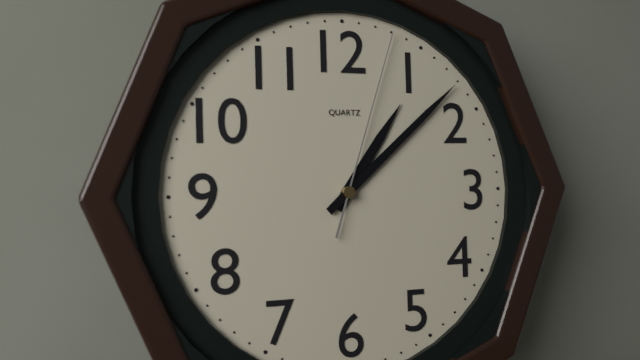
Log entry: {"hour": 1, "minute": 8, "second": 3}
